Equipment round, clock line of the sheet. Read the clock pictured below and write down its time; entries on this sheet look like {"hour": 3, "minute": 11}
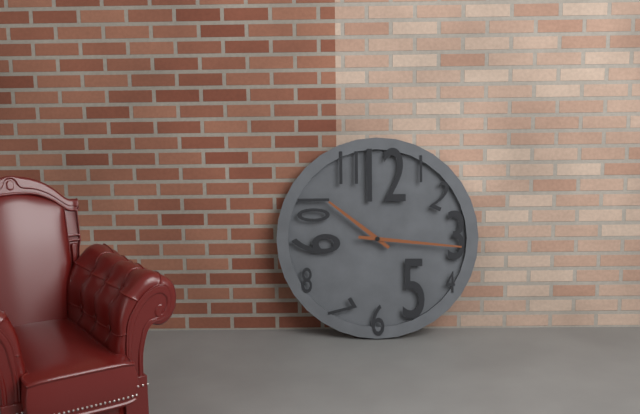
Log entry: {"hour": 10, "minute": 16}
